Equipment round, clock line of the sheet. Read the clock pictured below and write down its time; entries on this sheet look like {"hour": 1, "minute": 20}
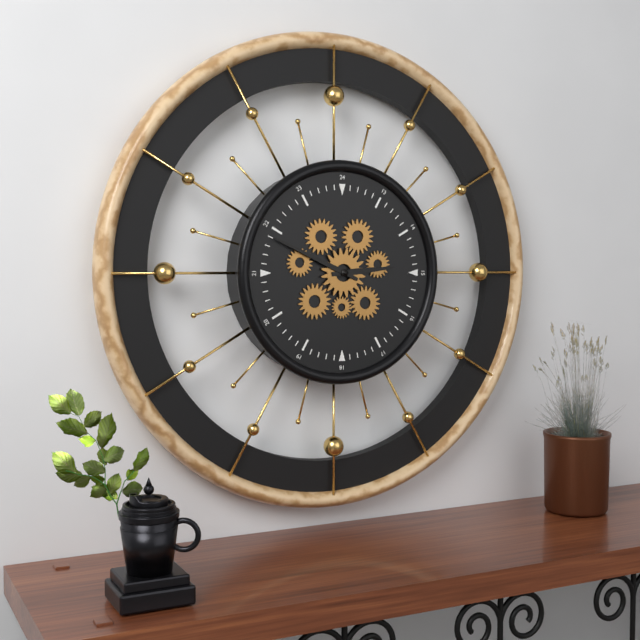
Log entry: {"hour": 2, "minute": 49}
